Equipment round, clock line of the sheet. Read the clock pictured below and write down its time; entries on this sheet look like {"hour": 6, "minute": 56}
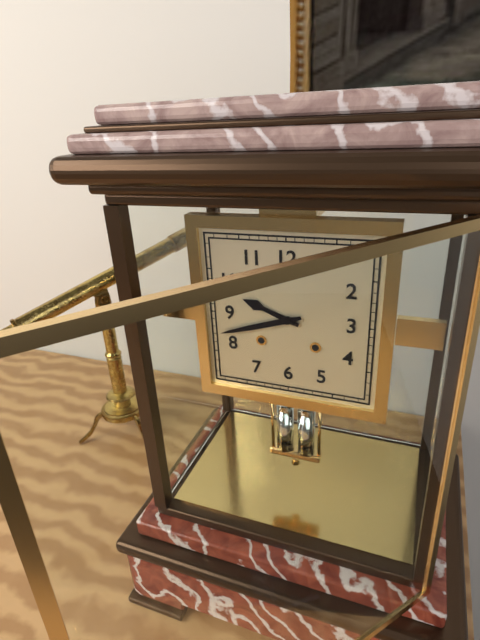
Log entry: {"hour": 9, "minute": 42}
